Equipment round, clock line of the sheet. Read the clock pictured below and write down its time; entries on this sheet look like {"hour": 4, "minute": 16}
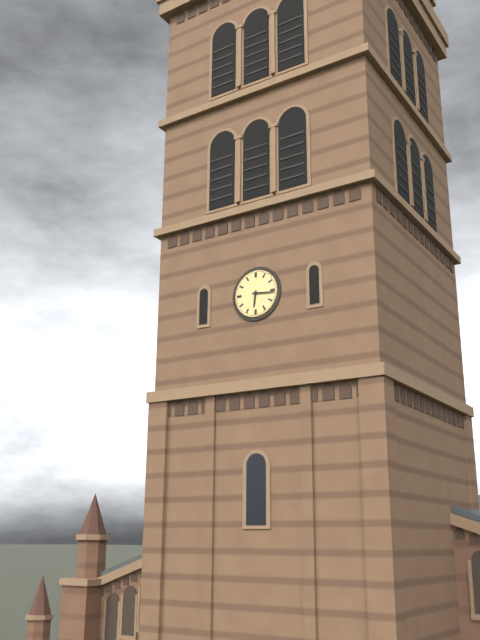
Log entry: {"hour": 6, "minute": 16}
